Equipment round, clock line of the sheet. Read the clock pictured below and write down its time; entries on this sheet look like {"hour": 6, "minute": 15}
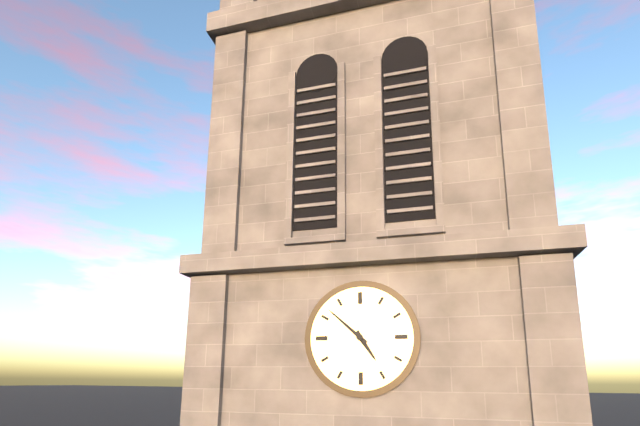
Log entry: {"hour": 4, "minute": 52}
